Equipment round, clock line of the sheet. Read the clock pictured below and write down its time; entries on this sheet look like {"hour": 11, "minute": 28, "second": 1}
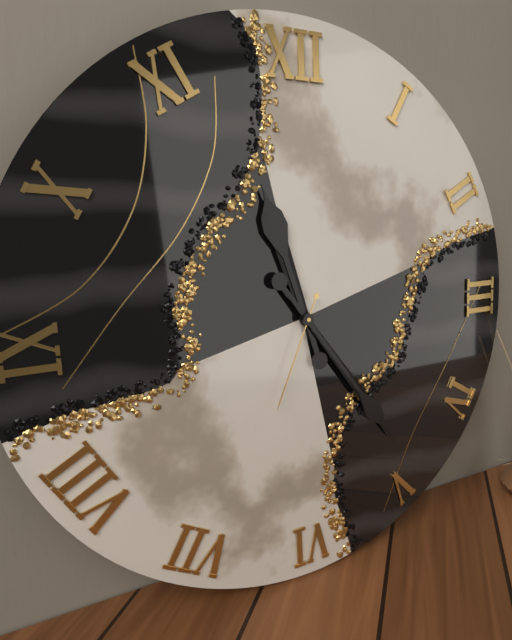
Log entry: {"hour": 11, "minute": 24, "second": 34}
